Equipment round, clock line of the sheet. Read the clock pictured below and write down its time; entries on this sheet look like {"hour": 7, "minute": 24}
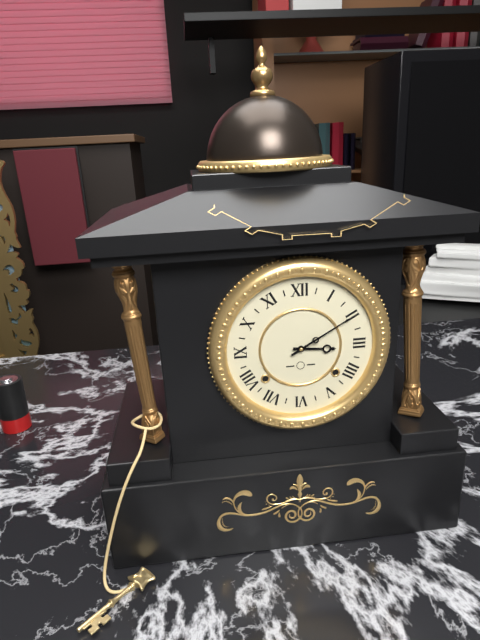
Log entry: {"hour": 3, "minute": 10}
